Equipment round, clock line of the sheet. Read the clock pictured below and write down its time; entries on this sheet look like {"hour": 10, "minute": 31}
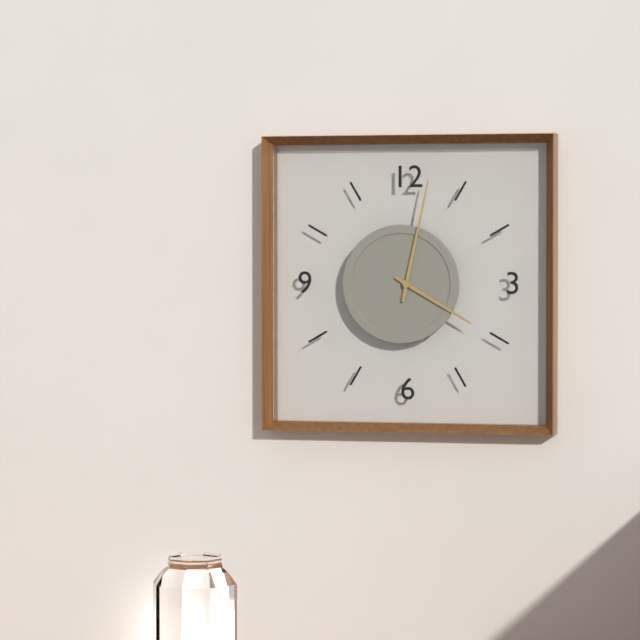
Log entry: {"hour": 4, "minute": 2}
